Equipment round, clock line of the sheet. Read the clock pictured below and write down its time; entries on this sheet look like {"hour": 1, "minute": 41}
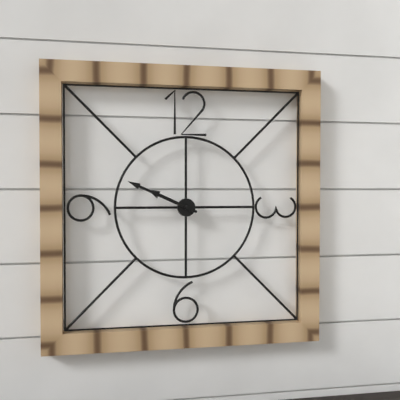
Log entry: {"hour": 9, "minute": 49}
